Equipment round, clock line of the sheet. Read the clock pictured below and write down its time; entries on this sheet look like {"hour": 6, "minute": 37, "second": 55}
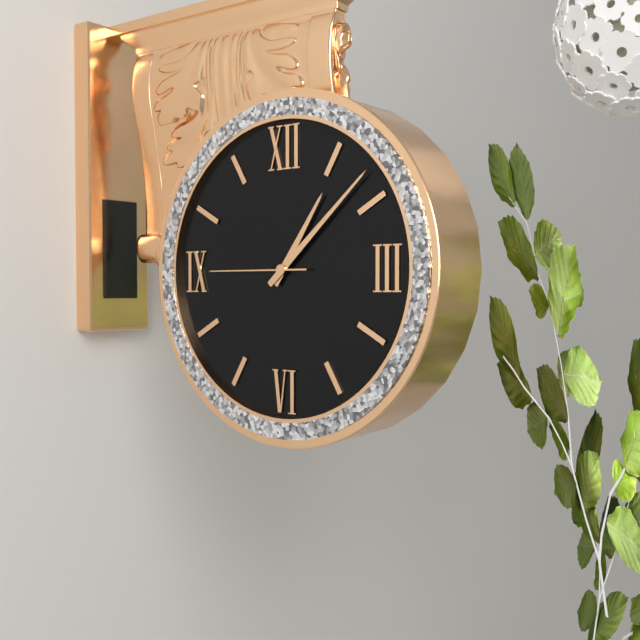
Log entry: {"hour": 1, "minute": 8, "second": 45}
